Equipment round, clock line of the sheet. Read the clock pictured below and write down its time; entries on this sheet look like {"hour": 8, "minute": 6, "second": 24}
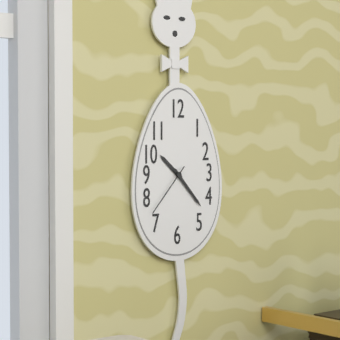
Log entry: {"hour": 10, "minute": 23, "second": 37}
